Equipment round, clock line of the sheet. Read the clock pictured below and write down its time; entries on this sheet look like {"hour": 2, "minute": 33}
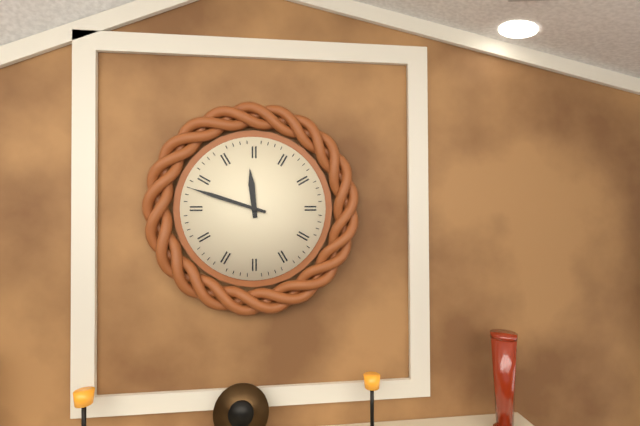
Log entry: {"hour": 11, "minute": 48}
